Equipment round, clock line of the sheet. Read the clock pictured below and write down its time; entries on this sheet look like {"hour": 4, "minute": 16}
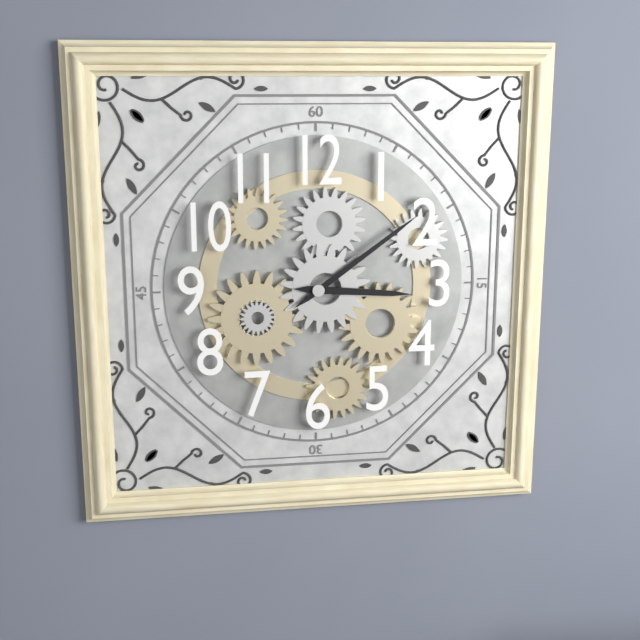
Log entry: {"hour": 3, "minute": 9}
